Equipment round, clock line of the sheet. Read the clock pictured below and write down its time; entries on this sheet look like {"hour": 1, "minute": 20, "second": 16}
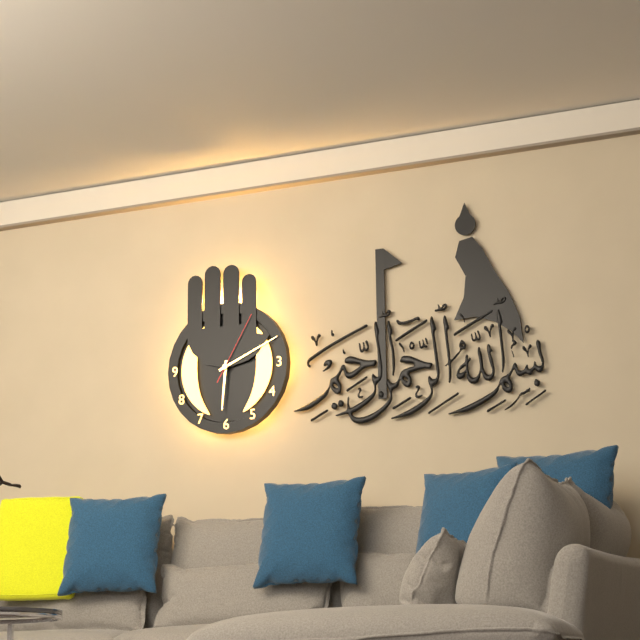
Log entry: {"hour": 6, "minute": 11, "second": 5}
